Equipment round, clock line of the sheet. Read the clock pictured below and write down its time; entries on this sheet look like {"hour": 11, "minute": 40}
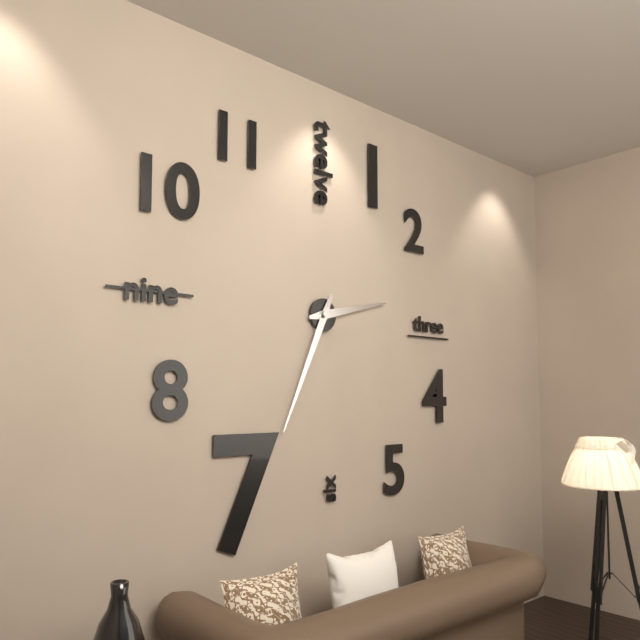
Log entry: {"hour": 2, "minute": 34}
